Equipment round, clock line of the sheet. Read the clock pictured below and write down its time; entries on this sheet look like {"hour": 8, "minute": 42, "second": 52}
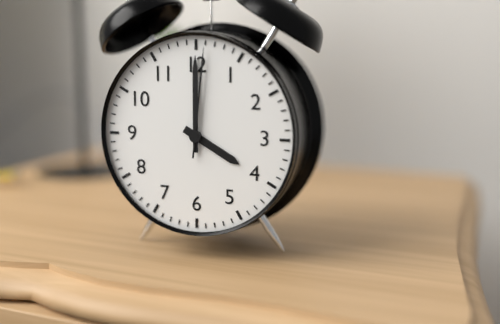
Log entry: {"hour": 4, "minute": 0, "second": 1}
